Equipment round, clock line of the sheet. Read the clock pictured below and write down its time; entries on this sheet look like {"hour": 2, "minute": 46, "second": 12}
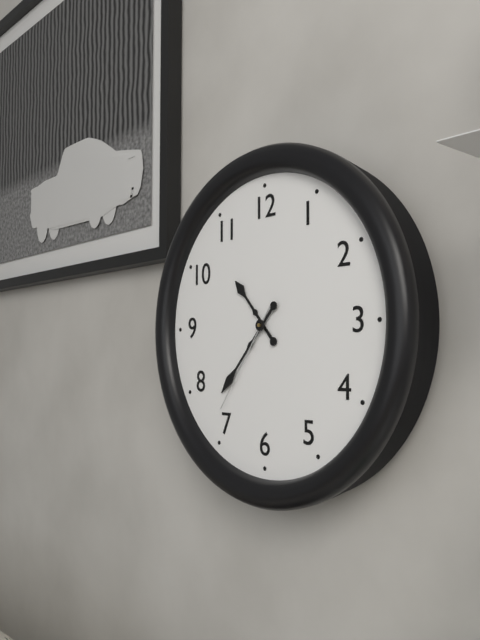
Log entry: {"hour": 10, "minute": 37, "second": 36}
